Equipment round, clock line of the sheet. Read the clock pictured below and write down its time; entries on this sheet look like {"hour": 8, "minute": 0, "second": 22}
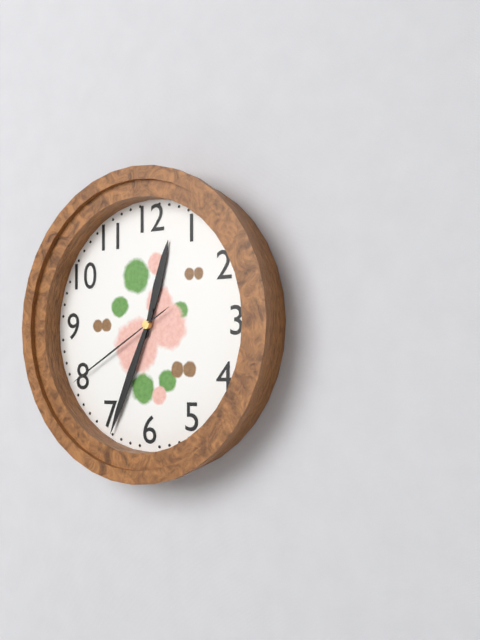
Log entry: {"hour": 12, "minute": 34, "second": 40}
